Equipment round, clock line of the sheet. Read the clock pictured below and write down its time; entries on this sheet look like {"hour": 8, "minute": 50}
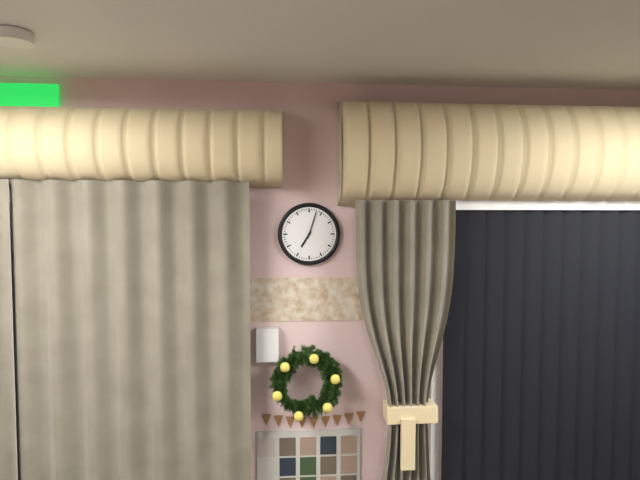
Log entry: {"hour": 7, "minute": 3}
